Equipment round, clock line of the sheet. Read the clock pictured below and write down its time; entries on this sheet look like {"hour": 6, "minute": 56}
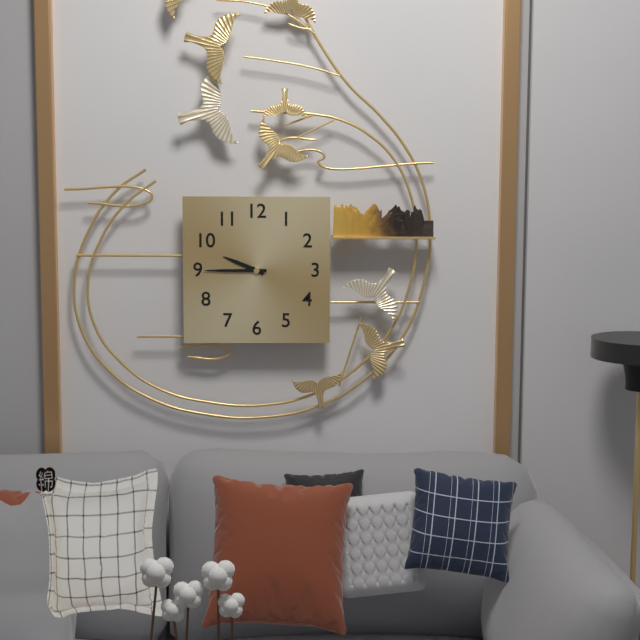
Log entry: {"hour": 9, "minute": 45}
